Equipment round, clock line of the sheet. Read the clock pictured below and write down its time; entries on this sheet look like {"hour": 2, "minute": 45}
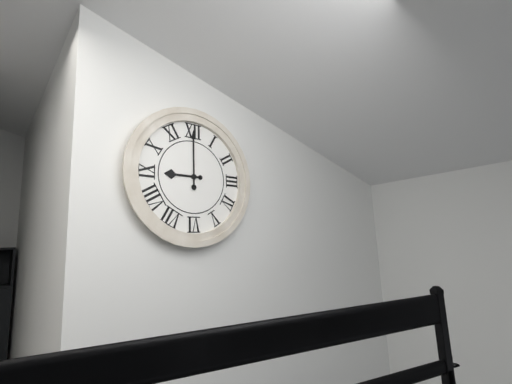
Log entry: {"hour": 9, "minute": 0}
